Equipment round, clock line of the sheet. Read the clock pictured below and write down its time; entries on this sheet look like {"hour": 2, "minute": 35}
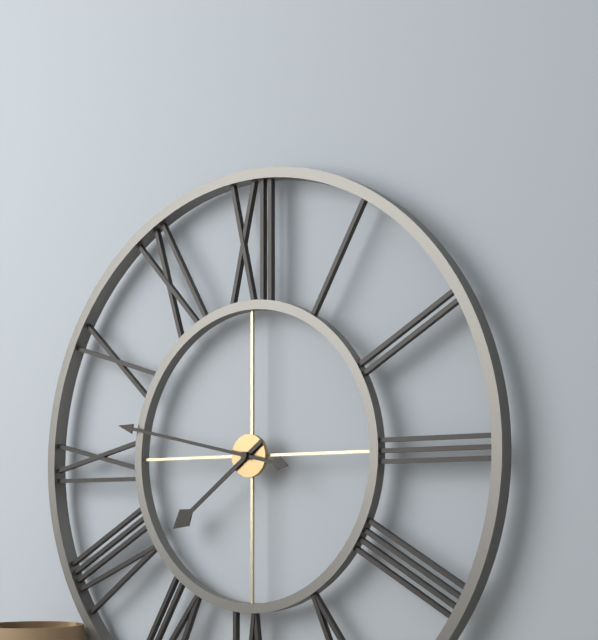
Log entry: {"hour": 7, "minute": 47}
